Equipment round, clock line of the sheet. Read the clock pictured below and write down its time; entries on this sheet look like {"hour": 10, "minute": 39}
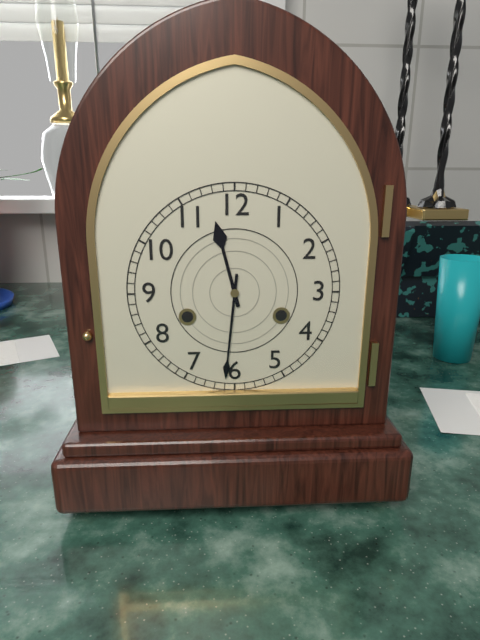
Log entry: {"hour": 11, "minute": 31}
